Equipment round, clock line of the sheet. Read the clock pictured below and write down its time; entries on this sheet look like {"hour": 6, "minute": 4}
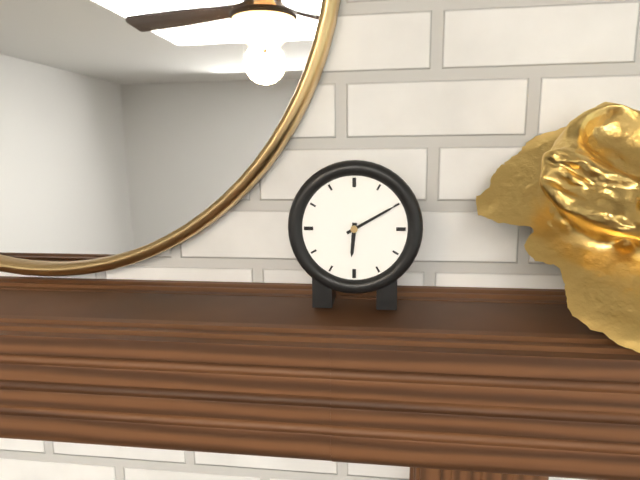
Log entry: {"hour": 6, "minute": 10}
